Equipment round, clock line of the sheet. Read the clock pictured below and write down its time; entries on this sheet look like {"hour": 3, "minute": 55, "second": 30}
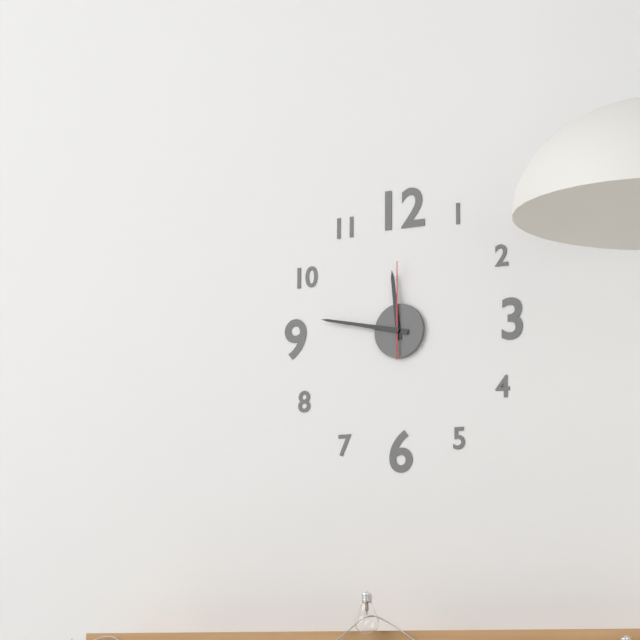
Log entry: {"hour": 11, "minute": 47, "second": 0}
